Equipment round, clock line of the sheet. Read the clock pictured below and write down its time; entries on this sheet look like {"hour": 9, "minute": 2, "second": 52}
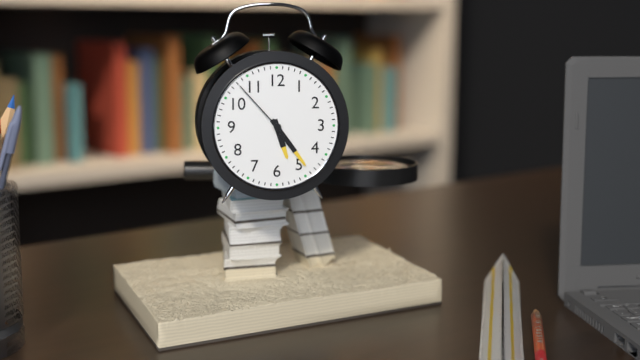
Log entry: {"hour": 5, "minute": 24, "second": 53}
